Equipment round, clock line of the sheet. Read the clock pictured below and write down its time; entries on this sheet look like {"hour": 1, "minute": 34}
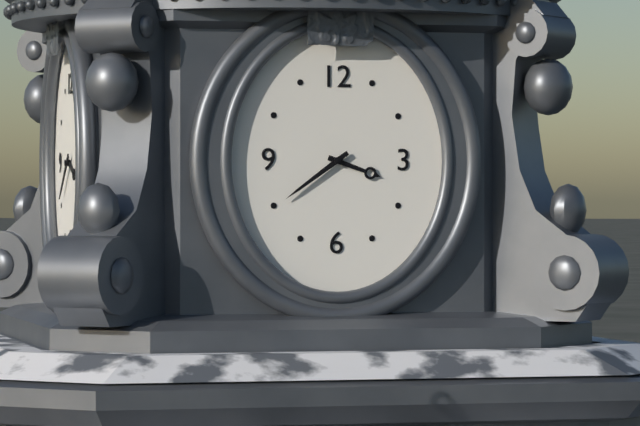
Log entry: {"hour": 3, "minute": 39}
